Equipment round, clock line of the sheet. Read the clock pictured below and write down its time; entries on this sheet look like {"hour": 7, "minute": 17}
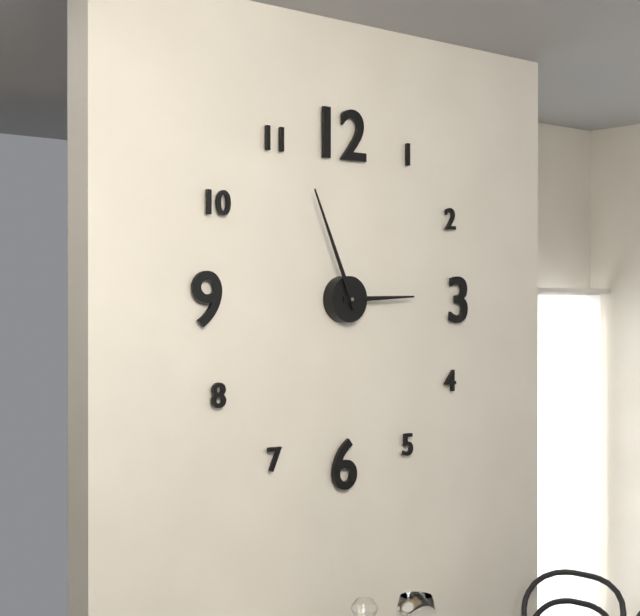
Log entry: {"hour": 2, "minute": 56}
